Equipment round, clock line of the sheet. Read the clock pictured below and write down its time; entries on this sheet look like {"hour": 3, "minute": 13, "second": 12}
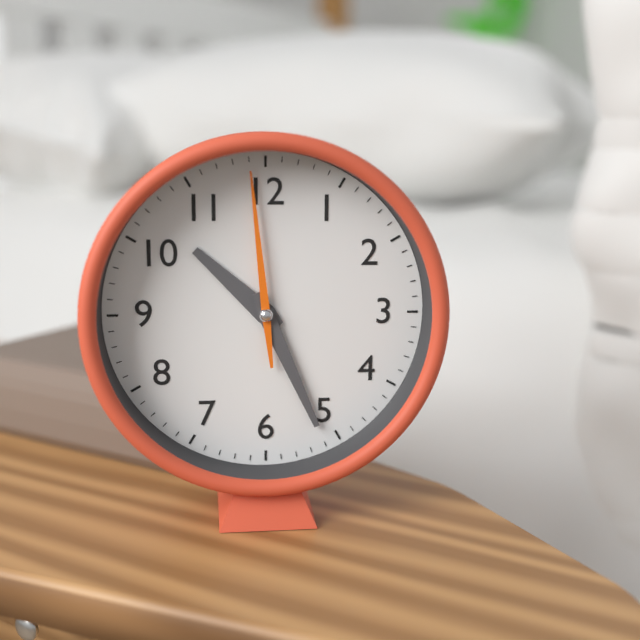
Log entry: {"hour": 10, "minute": 26, "second": 59}
